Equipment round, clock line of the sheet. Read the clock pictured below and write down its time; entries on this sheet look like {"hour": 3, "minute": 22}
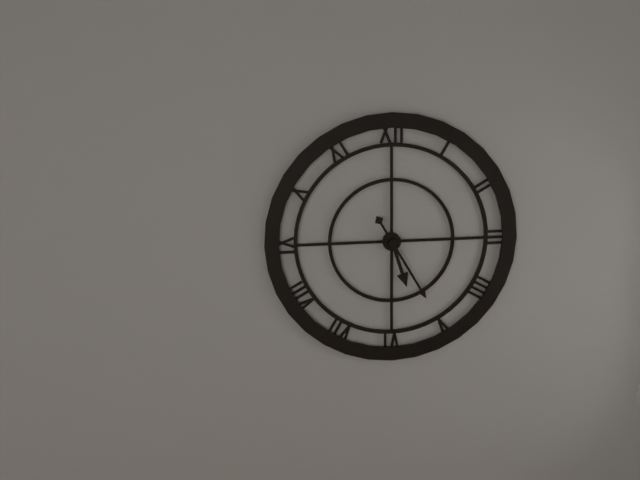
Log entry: {"hour": 5, "minute": 25}
